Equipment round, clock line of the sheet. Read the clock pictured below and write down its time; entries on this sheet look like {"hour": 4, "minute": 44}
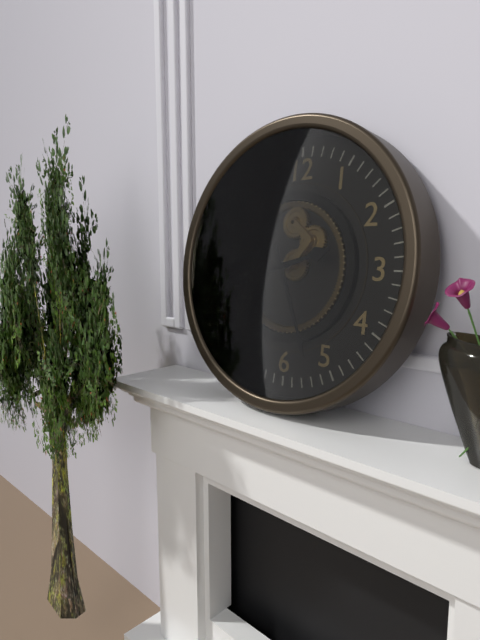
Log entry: {"hour": 2, "minute": 26}
